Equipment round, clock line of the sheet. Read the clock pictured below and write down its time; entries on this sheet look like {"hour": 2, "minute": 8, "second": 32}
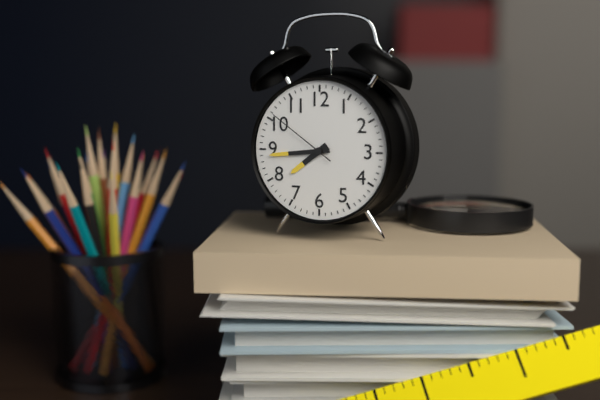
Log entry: {"hour": 7, "minute": 44, "second": 51}
